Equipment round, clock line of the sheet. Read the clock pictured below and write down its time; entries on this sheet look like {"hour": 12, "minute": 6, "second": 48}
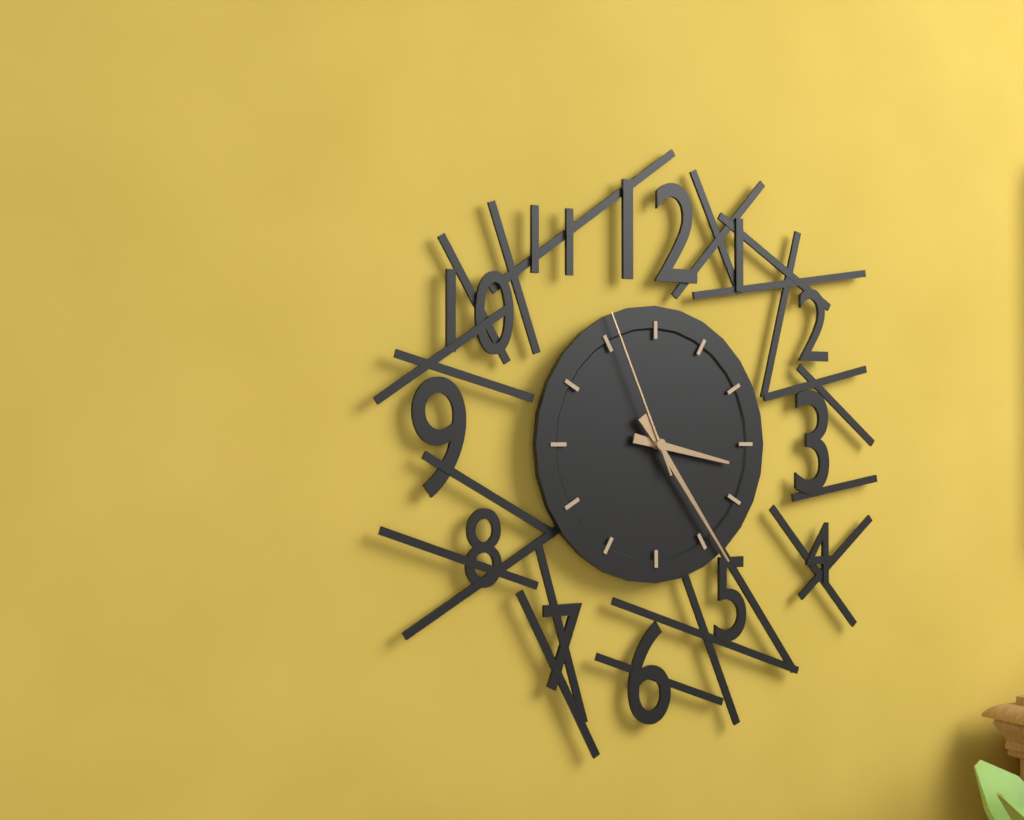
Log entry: {"hour": 3, "minute": 24, "second": 56}
